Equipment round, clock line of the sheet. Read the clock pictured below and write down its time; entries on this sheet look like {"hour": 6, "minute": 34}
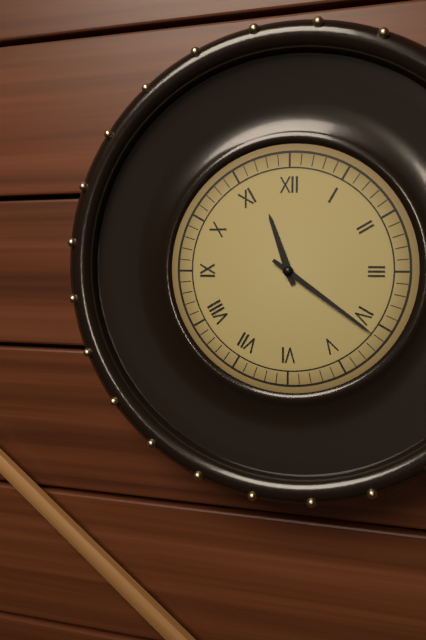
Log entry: {"hour": 11, "minute": 21}
